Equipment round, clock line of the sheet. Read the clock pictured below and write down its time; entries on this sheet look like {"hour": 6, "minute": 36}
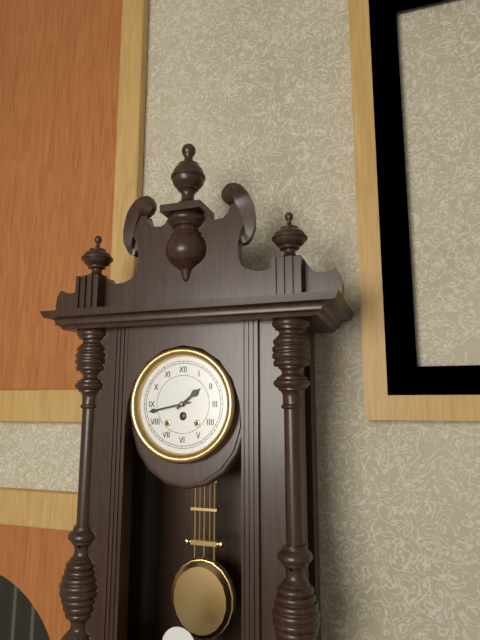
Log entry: {"hour": 1, "minute": 43}
